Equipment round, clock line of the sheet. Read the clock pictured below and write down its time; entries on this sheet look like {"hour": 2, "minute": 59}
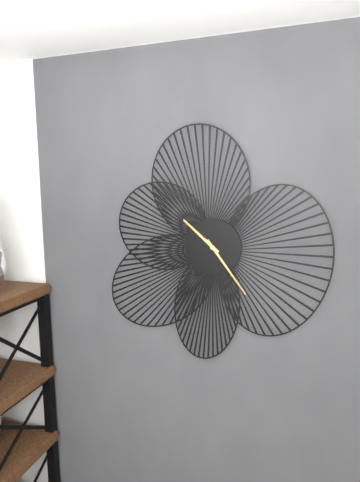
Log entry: {"hour": 10, "minute": 24}
